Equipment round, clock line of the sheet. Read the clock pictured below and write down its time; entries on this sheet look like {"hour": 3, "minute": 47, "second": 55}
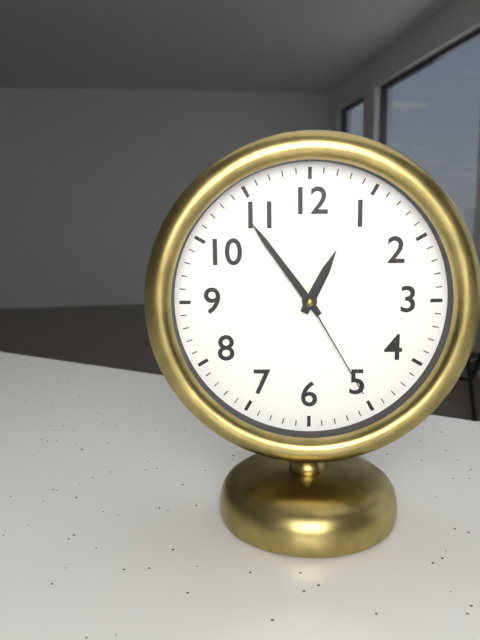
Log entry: {"hour": 12, "minute": 54, "second": 25}
